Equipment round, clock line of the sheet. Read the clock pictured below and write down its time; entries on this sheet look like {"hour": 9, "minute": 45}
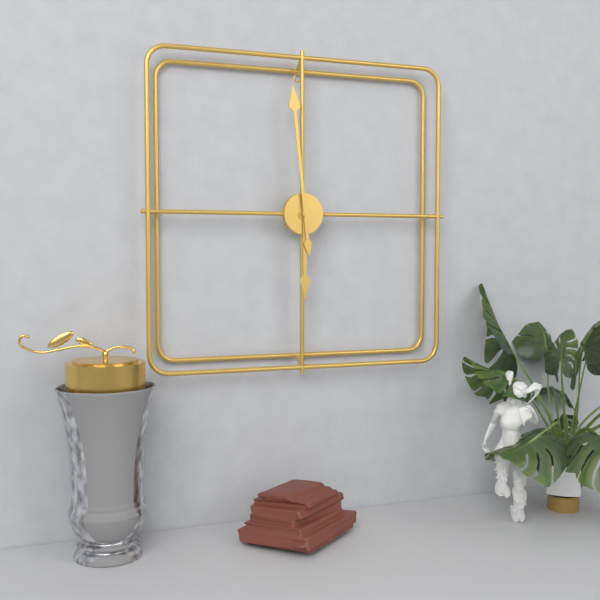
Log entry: {"hour": 5, "minute": 59}
